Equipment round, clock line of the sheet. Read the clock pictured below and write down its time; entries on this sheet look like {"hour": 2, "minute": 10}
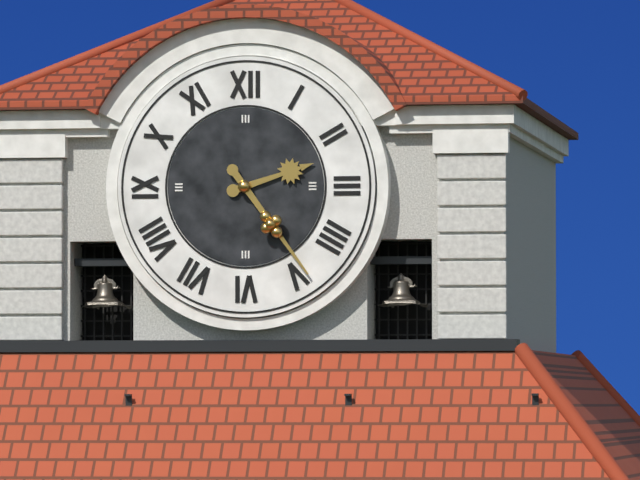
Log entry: {"hour": 2, "minute": 24}
